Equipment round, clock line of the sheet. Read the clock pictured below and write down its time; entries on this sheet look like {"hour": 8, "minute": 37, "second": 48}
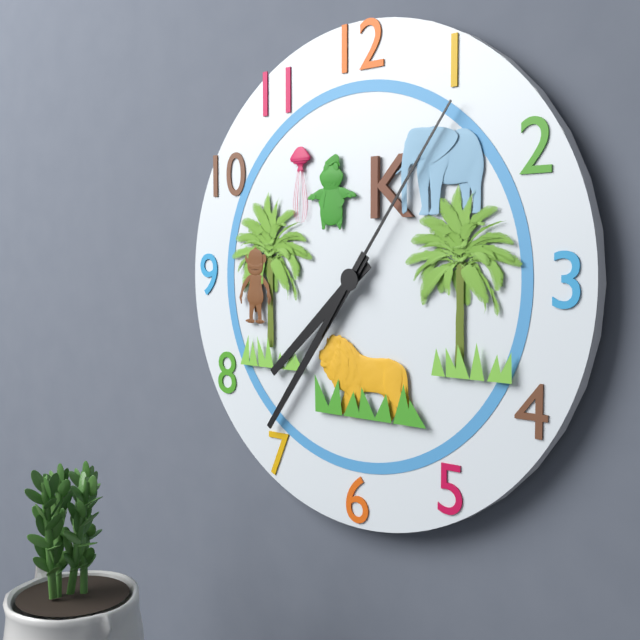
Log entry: {"hour": 7, "minute": 36, "second": 6}
